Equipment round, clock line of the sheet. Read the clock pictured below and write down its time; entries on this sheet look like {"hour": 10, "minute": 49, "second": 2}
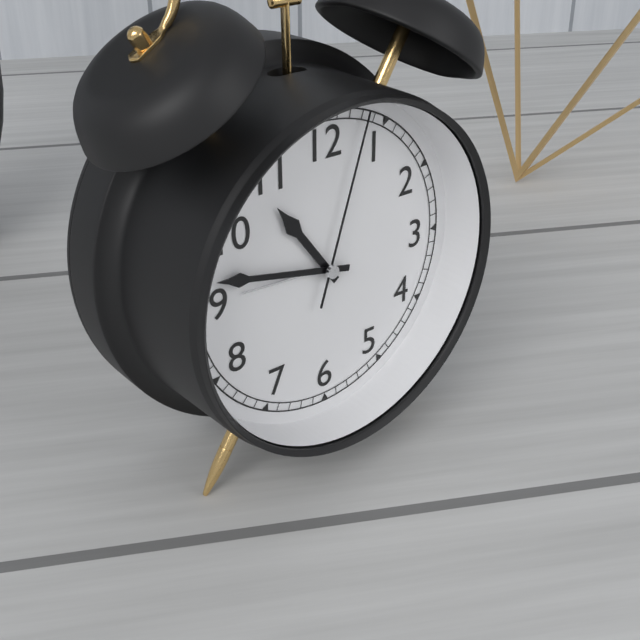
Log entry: {"hour": 10, "minute": 47, "second": 3}
